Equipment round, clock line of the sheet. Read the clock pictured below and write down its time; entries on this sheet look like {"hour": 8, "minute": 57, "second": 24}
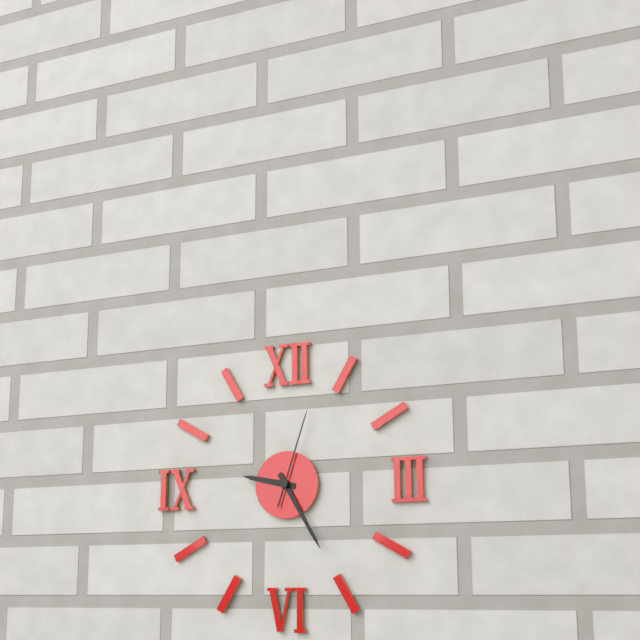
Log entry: {"hour": 9, "minute": 25, "second": 3}
